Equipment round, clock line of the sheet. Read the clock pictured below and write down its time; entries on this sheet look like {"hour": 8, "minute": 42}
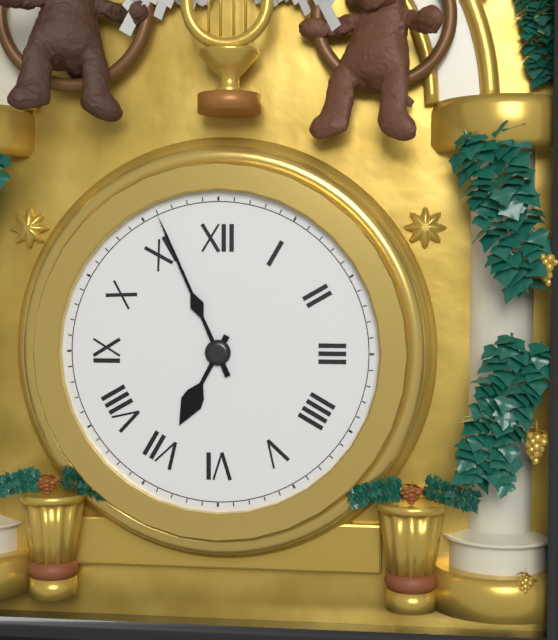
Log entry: {"hour": 6, "minute": 56}
